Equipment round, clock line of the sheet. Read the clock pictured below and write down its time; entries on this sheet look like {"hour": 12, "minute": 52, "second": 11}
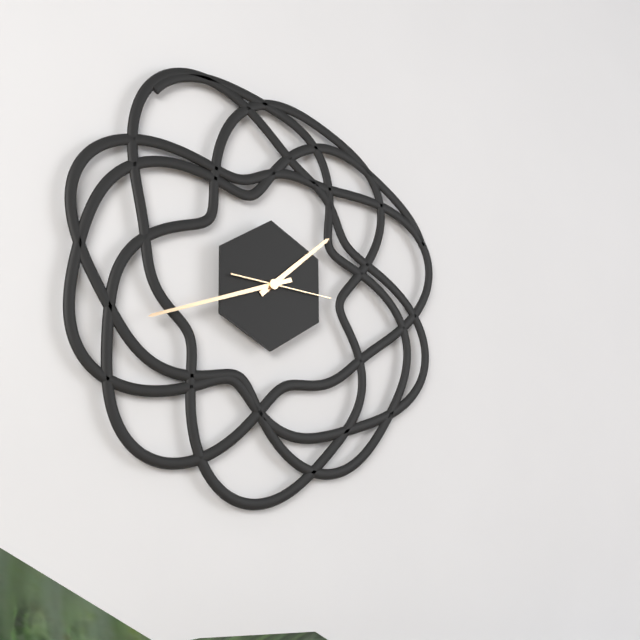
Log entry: {"hour": 1, "minute": 42, "second": 16}
